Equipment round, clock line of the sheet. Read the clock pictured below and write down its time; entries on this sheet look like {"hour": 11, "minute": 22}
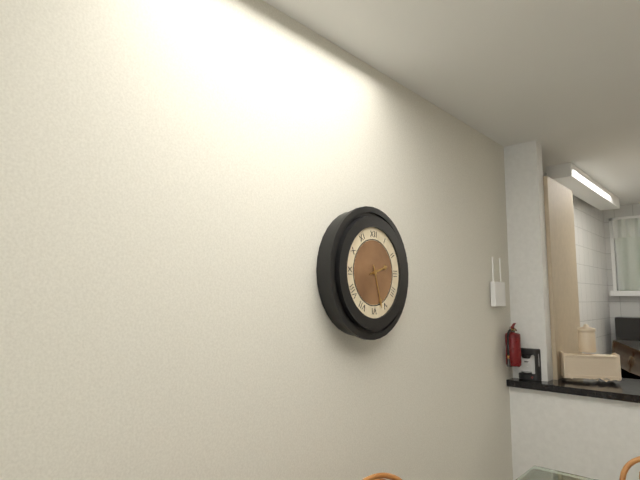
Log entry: {"hour": 2, "minute": 27}
